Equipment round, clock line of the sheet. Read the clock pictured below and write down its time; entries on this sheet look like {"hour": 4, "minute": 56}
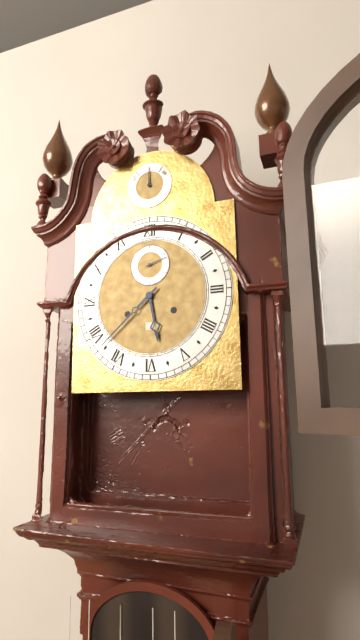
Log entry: {"hour": 5, "minute": 38}
